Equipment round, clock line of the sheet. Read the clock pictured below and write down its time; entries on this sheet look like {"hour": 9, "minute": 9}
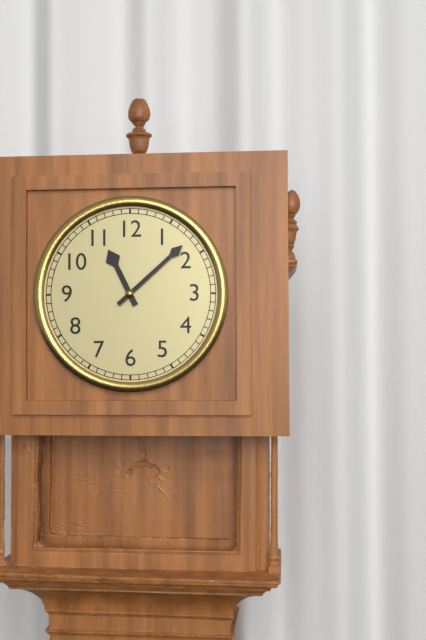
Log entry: {"hour": 11, "minute": 8}
